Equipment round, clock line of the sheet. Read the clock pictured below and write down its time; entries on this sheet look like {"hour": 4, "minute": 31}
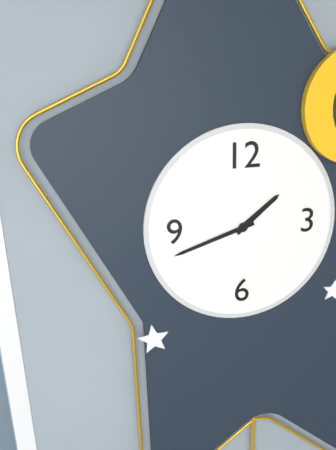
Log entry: {"hour": 1, "minute": 42}
